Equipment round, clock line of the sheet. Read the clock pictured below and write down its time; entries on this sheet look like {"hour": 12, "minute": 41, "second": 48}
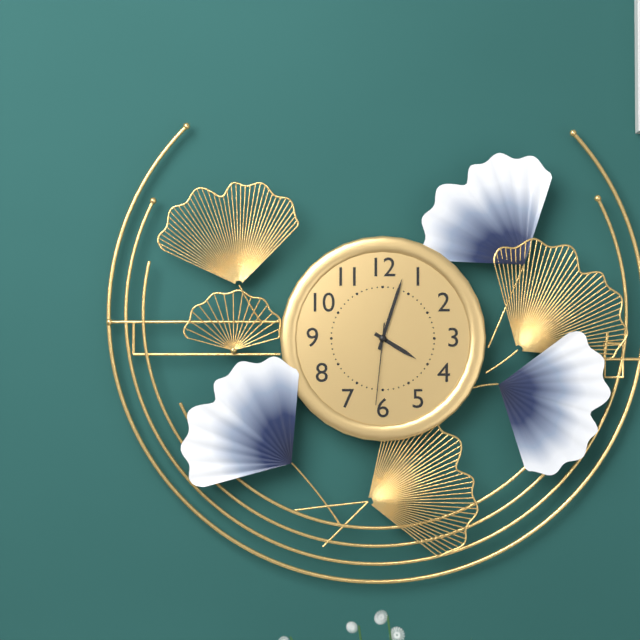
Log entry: {"hour": 4, "minute": 3, "second": 31}
